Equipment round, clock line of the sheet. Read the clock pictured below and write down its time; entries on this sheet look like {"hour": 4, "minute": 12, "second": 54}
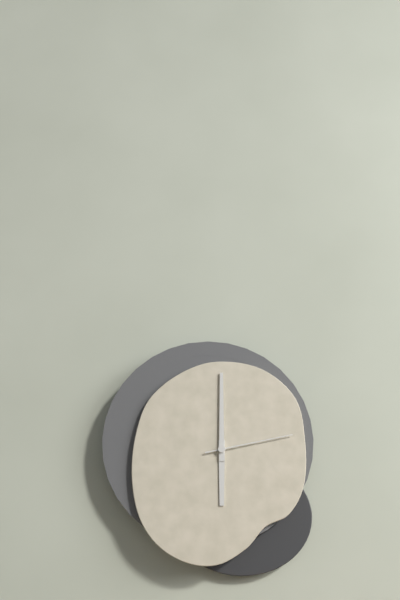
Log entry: {"hour": 6, "minute": 0, "second": 13}
